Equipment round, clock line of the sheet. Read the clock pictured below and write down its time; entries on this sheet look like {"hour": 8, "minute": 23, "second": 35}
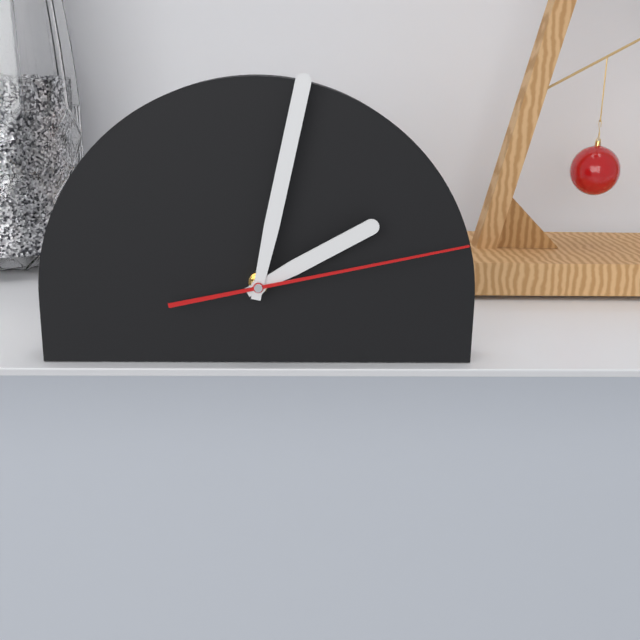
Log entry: {"hour": 2, "minute": 2, "second": 13}
